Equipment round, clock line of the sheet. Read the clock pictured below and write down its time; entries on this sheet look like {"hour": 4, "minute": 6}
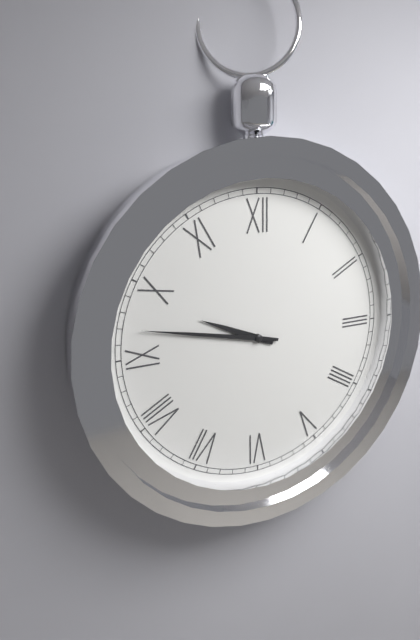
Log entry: {"hour": 9, "minute": 47}
